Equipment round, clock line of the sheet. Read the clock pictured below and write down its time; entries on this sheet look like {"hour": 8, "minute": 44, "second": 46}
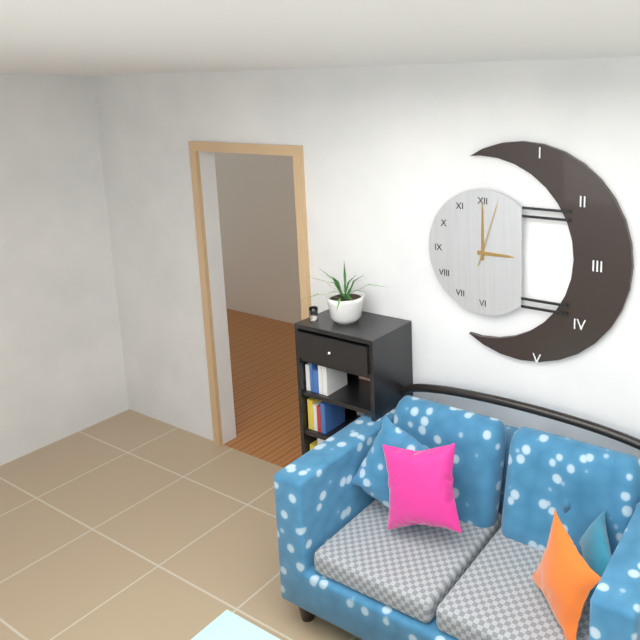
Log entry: {"hour": 3, "minute": 0, "second": 3}
